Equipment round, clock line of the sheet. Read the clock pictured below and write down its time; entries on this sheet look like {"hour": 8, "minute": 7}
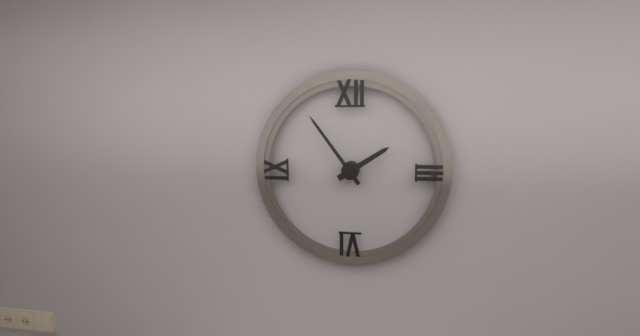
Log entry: {"hour": 1, "minute": 54}
